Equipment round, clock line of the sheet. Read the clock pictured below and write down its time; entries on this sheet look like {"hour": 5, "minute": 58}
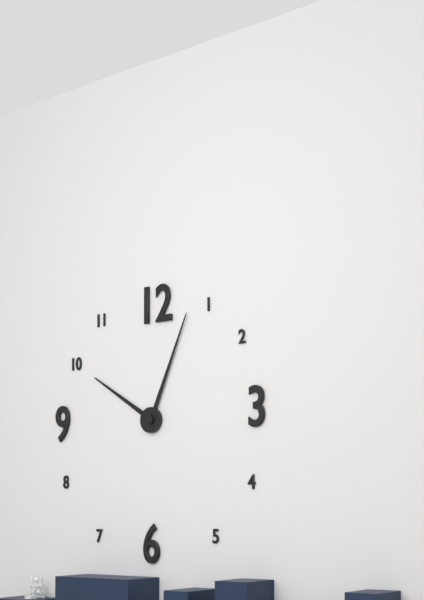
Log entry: {"hour": 10, "minute": 4}
